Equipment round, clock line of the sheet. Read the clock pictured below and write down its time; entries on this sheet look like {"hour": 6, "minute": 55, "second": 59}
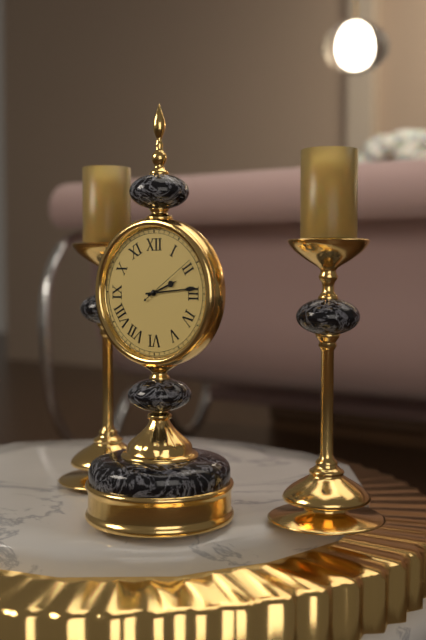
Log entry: {"hour": 2, "minute": 14, "second": 9}
